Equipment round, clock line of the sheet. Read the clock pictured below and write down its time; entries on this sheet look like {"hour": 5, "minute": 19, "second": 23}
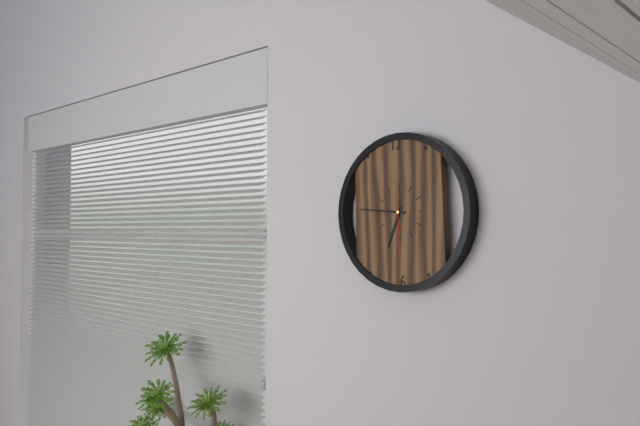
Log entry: {"hour": 6, "minute": 46, "second": 30}
